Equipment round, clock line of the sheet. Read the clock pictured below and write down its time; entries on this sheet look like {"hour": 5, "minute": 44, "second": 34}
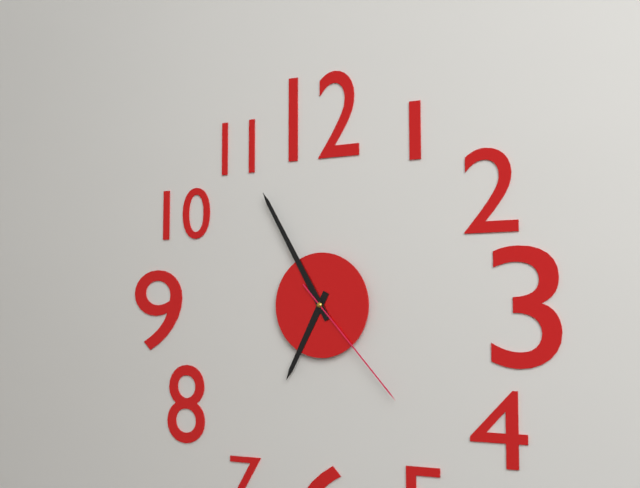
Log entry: {"hour": 6, "minute": 55, "second": 23}
